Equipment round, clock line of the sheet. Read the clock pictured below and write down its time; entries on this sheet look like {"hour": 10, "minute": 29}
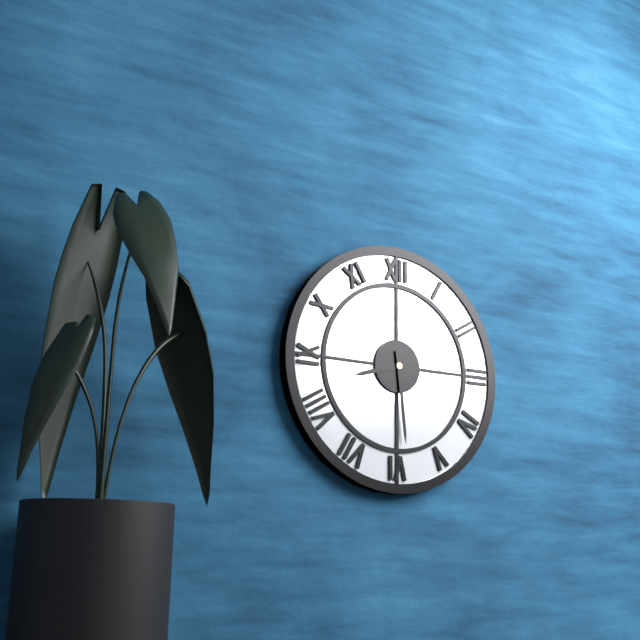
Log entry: {"hour": 8, "minute": 29}
